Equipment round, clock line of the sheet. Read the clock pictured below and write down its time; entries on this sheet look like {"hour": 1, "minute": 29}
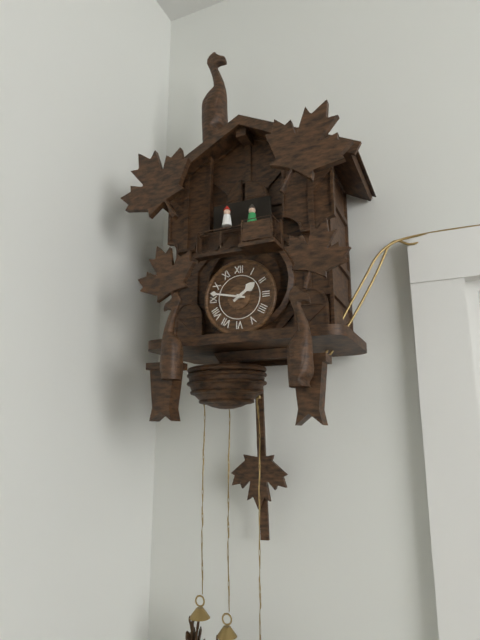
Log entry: {"hour": 1, "minute": 47}
